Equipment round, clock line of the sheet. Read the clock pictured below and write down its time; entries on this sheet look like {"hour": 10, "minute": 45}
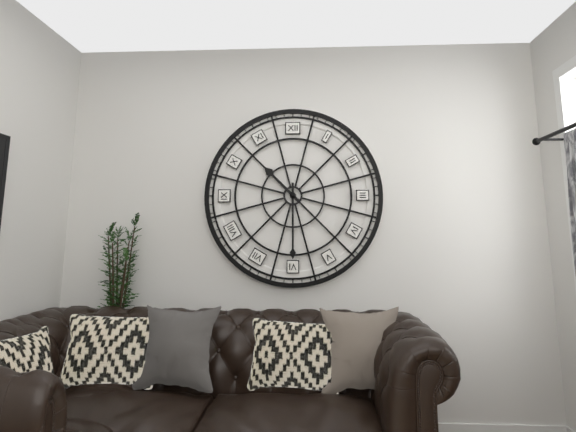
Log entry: {"hour": 10, "minute": 30}
